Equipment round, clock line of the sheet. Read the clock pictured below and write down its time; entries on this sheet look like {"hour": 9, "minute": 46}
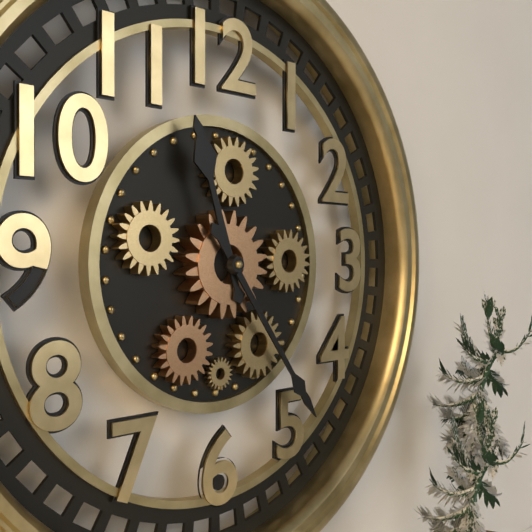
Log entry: {"hour": 11, "minute": 24}
